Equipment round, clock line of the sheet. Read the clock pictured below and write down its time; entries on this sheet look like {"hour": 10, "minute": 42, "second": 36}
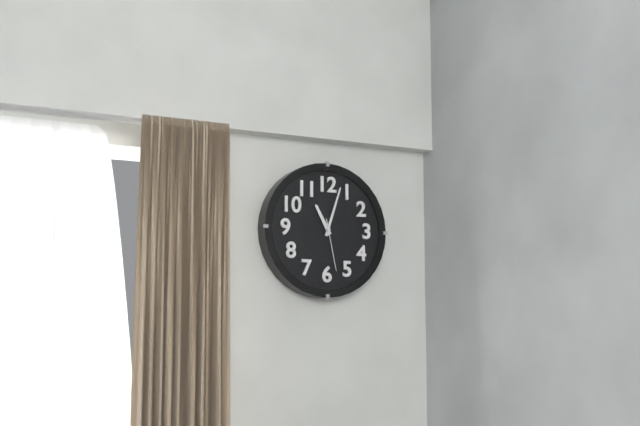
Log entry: {"hour": 11, "minute": 3, "second": 28}
